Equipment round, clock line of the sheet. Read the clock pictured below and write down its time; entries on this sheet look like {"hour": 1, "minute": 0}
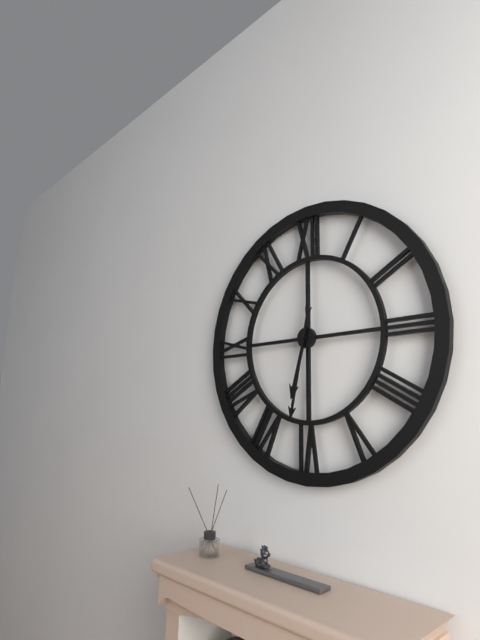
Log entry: {"hour": 6, "minute": 32}
